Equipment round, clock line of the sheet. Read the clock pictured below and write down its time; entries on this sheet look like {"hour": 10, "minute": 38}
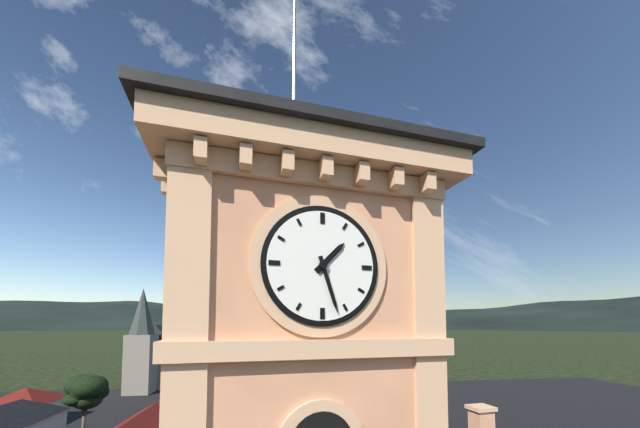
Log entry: {"hour": 1, "minute": 27}
